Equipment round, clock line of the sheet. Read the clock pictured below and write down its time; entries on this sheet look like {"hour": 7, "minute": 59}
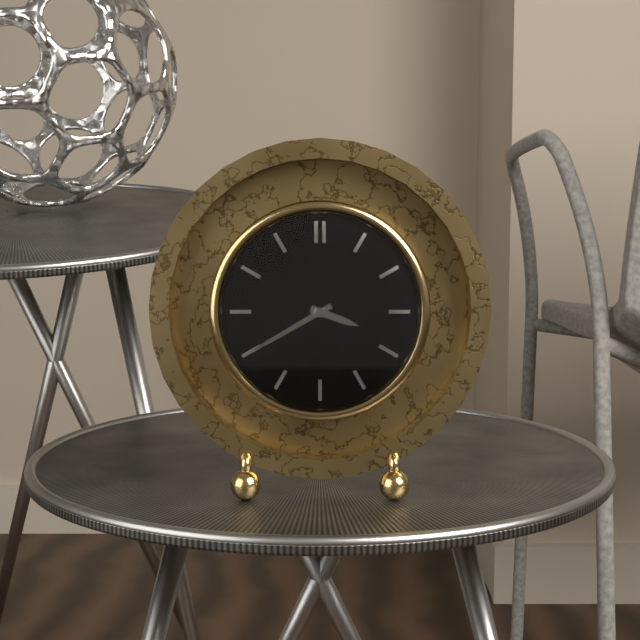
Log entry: {"hour": 3, "minute": 40}
